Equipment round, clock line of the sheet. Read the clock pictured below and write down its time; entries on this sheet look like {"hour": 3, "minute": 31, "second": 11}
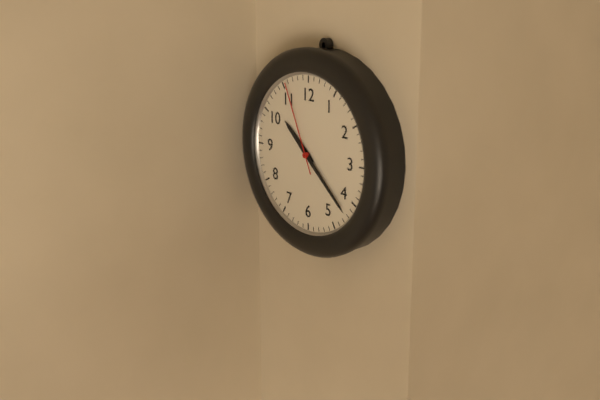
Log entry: {"hour": 10, "minute": 22, "second": 56}
